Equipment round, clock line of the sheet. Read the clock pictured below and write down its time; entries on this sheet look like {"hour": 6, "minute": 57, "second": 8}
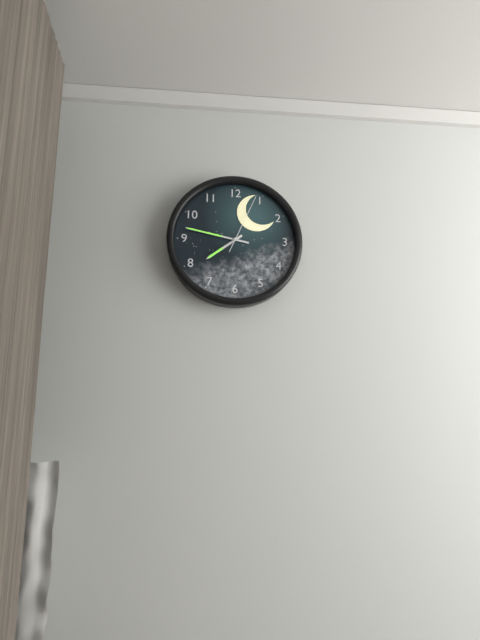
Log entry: {"hour": 7, "minute": 47, "second": 4}
